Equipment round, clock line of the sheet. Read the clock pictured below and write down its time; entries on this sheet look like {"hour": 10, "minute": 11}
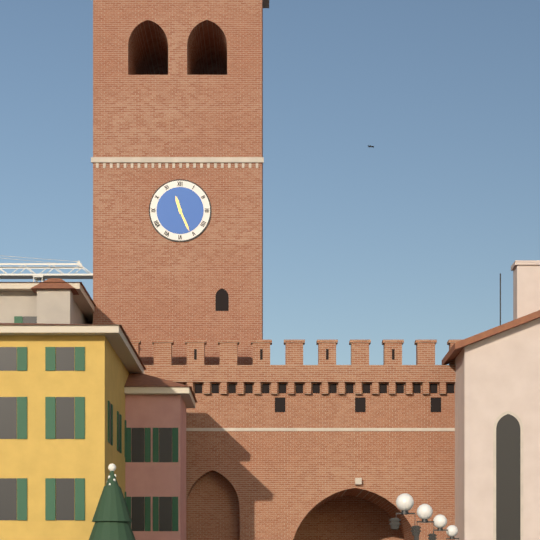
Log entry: {"hour": 11, "minute": 26}
